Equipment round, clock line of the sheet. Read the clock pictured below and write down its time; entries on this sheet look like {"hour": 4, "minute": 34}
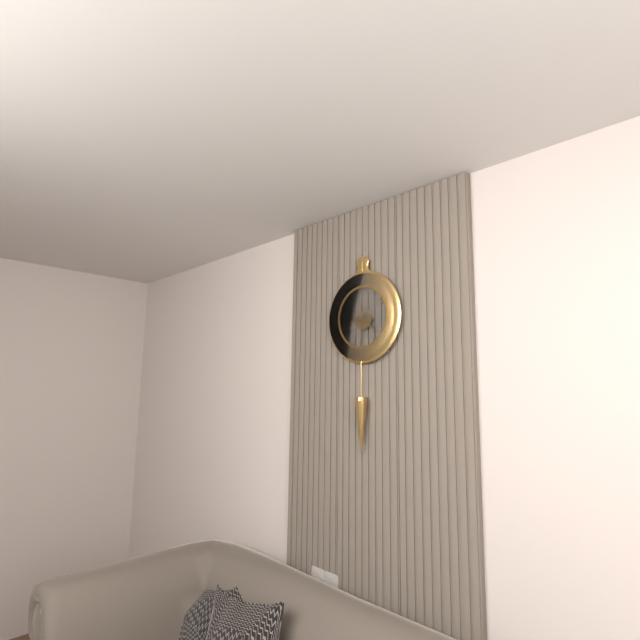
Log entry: {"hour": 4, "minute": 31}
